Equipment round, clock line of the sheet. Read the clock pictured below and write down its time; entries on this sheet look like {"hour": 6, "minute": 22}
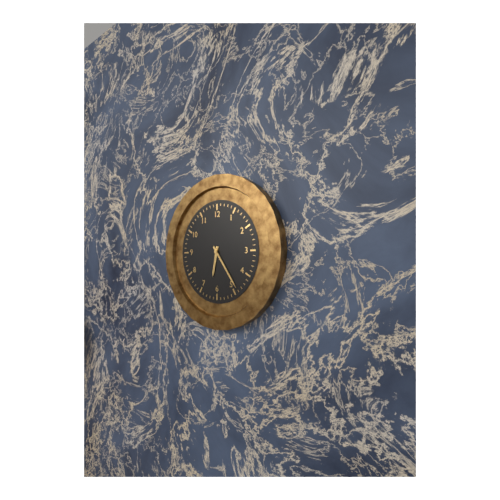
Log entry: {"hour": 6, "minute": 24}
